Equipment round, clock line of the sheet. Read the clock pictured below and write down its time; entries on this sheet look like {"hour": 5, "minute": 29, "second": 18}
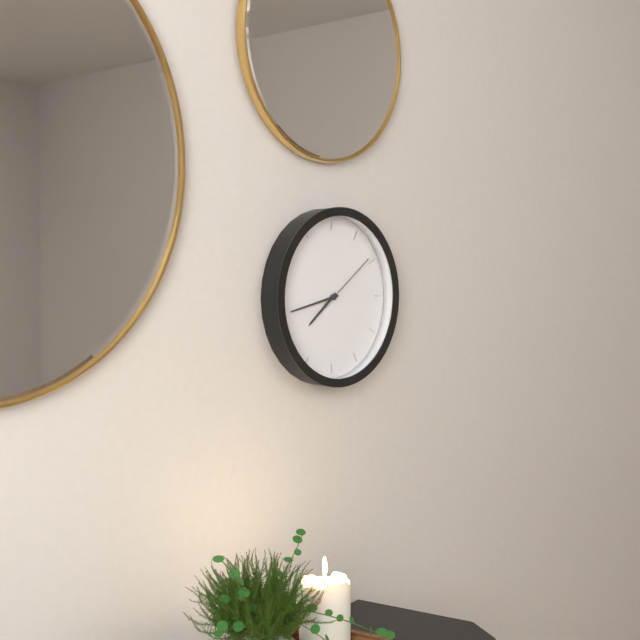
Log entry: {"hour": 7, "minute": 43, "second": 9}
